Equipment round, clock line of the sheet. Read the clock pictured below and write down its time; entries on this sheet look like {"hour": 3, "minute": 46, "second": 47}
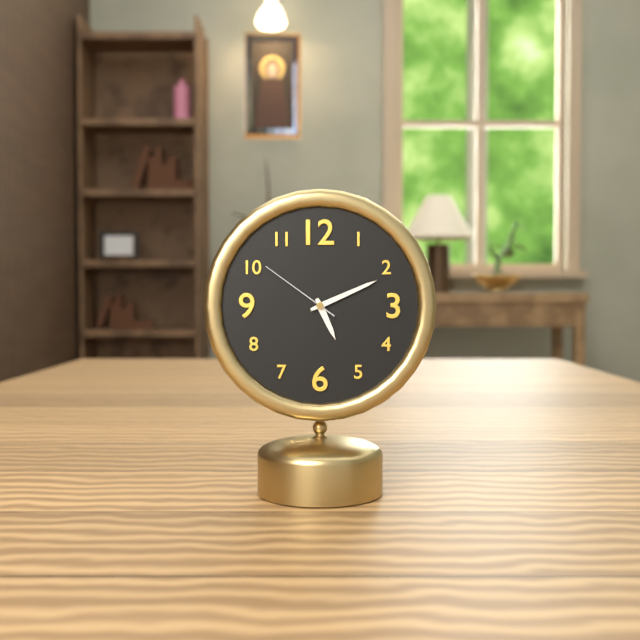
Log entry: {"hour": 5, "minute": 11, "second": 51}
